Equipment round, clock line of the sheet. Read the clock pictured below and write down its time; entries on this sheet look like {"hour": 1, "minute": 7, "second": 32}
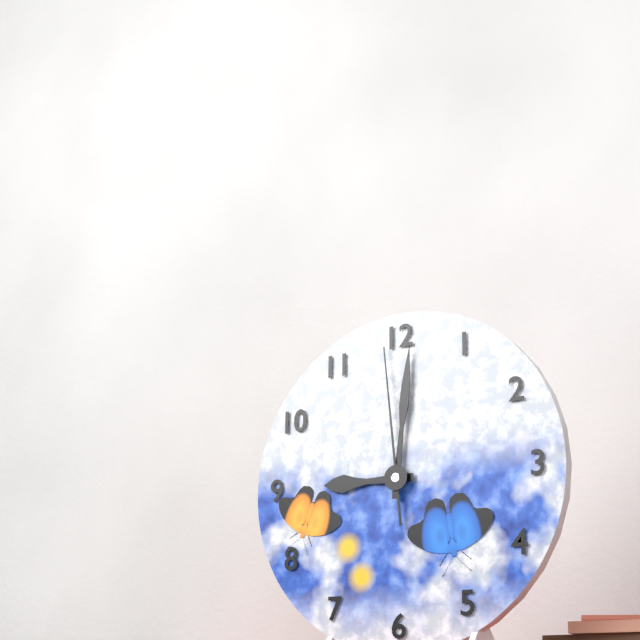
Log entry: {"hour": 9, "minute": 1, "second": 59}
